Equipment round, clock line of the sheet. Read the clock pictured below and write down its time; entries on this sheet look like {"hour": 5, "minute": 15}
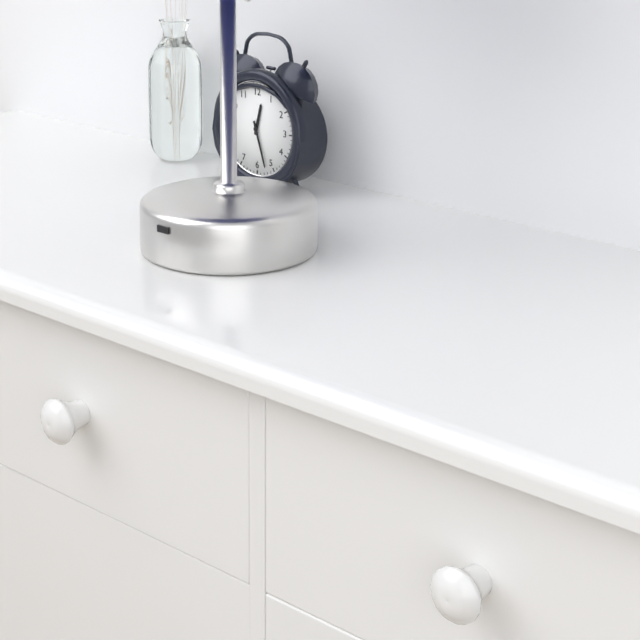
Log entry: {"hour": 12, "minute": 27}
